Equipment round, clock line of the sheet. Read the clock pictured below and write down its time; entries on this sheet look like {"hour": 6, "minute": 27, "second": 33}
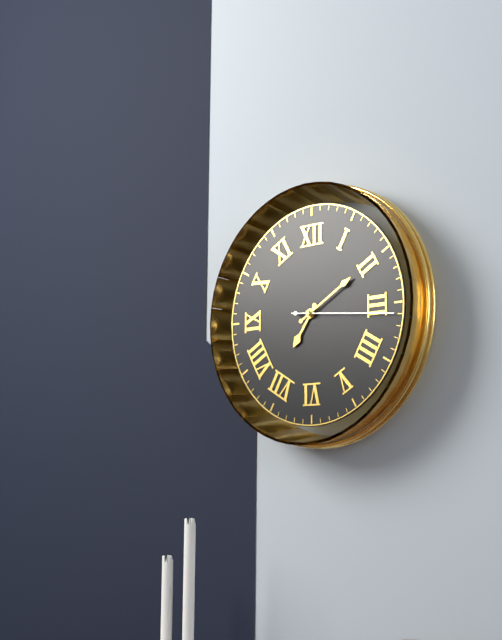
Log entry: {"hour": 7, "minute": 10, "second": 16}
